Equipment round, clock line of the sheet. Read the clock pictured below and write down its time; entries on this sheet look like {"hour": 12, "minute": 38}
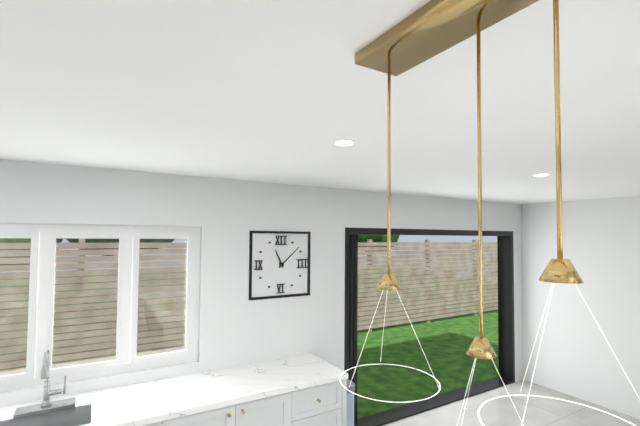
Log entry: {"hour": 11, "minute": 8}
